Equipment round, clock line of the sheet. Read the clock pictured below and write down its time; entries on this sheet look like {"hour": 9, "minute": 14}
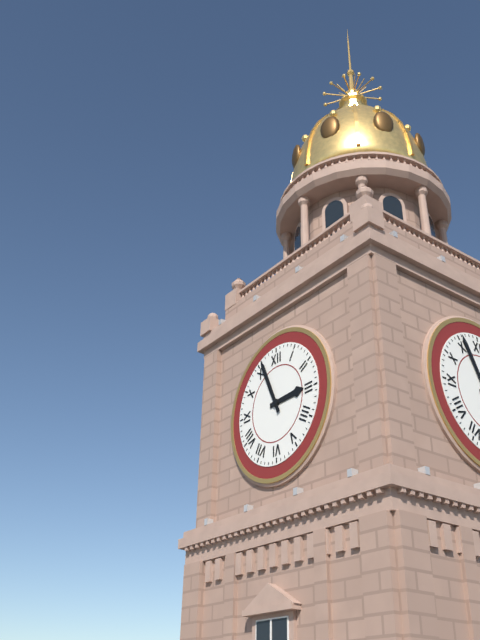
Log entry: {"hour": 2, "minute": 56}
